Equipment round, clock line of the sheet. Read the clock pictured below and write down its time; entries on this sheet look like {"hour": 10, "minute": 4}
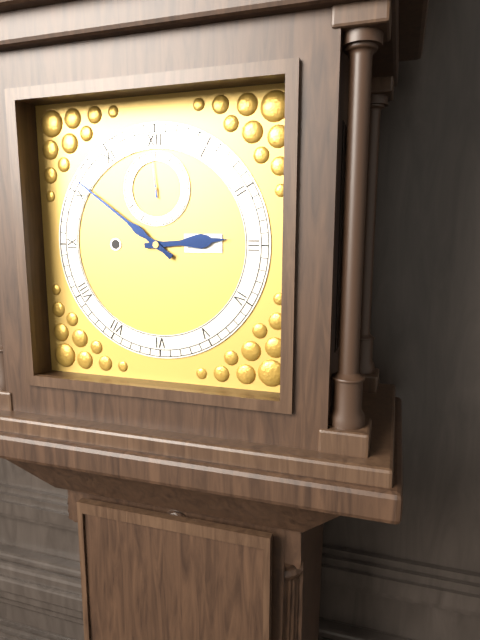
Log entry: {"hour": 2, "minute": 51}
